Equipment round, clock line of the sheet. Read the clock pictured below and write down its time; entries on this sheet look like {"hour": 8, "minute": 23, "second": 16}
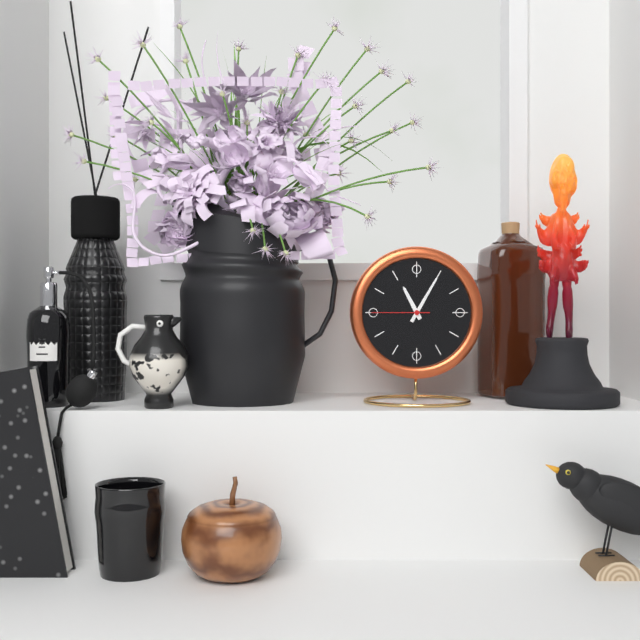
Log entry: {"hour": 11, "minute": 5, "second": 45}
